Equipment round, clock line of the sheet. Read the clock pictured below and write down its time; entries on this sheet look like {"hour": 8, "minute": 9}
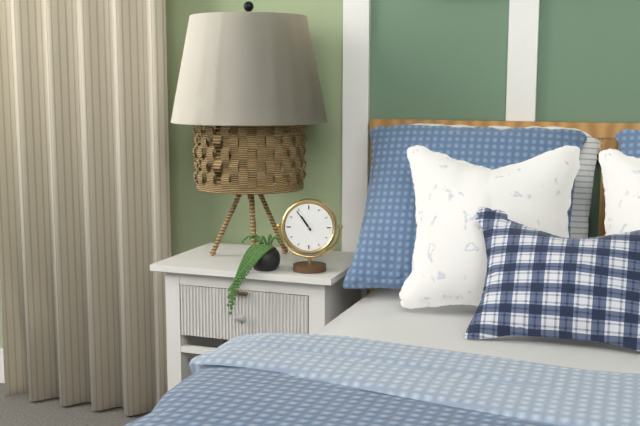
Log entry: {"hour": 10, "minute": 54}
